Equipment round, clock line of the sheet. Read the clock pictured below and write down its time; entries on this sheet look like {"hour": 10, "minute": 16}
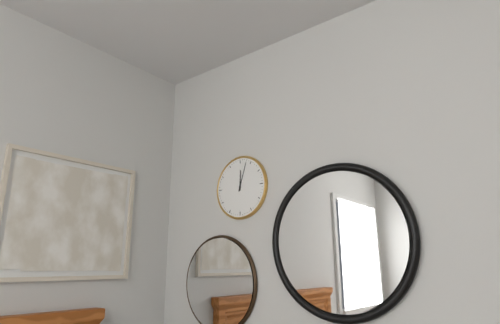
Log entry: {"hour": 12, "minute": 3}
